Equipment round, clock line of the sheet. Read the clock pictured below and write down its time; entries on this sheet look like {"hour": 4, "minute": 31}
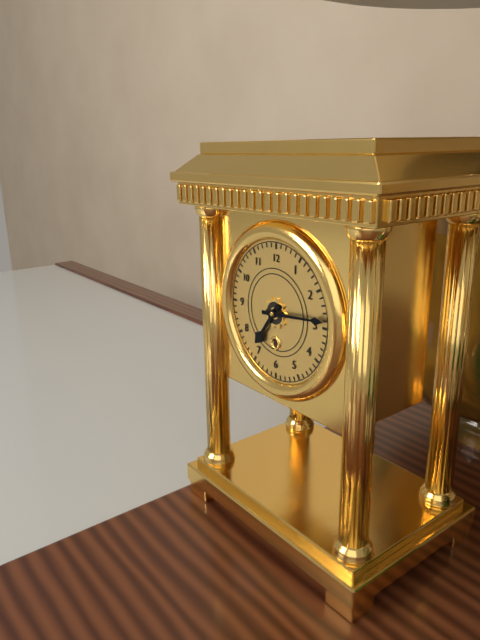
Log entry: {"hour": 7, "minute": 14}
